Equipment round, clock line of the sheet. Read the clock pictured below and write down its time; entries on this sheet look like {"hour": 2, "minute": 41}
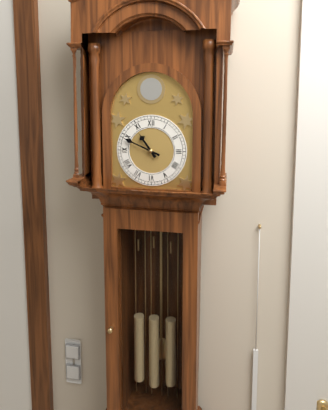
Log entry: {"hour": 10, "minute": 49}
